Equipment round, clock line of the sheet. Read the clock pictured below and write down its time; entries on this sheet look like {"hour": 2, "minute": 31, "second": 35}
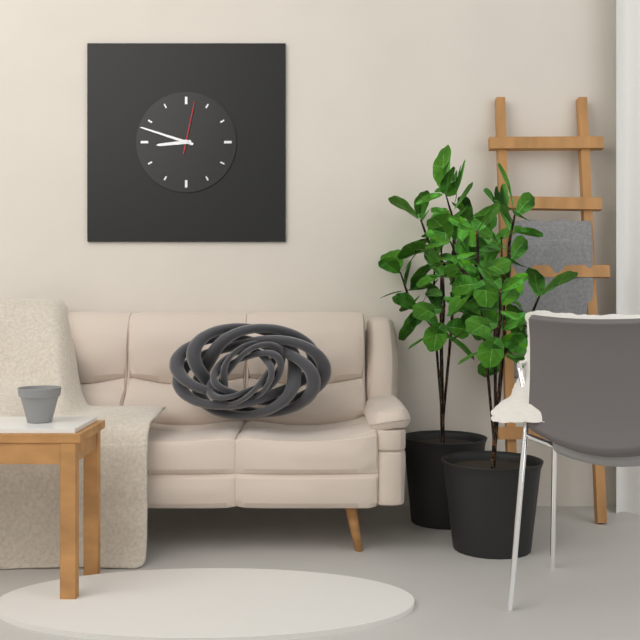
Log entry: {"hour": 8, "minute": 48, "second": 2}
